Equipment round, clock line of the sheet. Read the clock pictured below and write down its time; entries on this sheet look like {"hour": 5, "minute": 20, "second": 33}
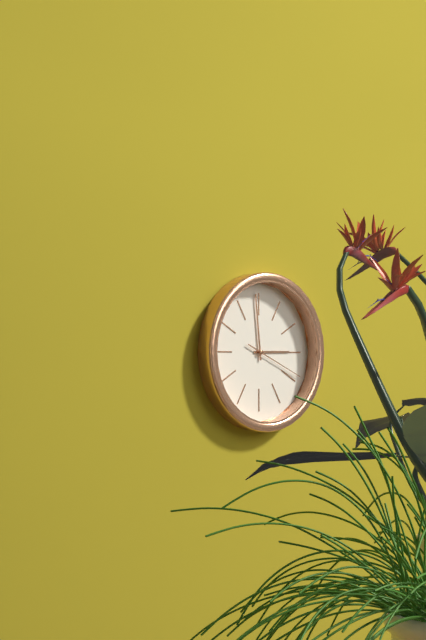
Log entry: {"hour": 2, "minute": 59, "second": 19}
